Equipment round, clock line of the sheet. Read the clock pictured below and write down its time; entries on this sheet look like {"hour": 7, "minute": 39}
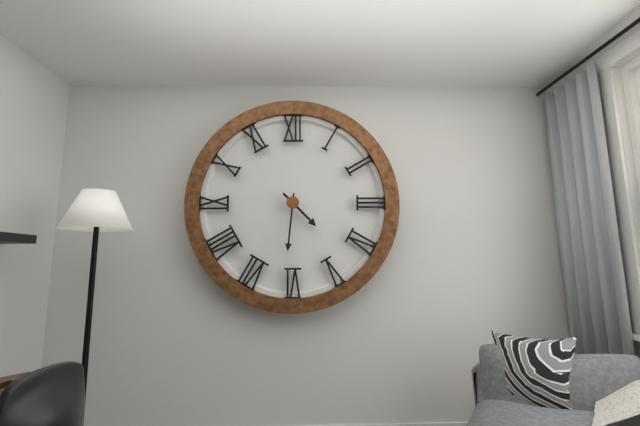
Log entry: {"hour": 4, "minute": 31}
